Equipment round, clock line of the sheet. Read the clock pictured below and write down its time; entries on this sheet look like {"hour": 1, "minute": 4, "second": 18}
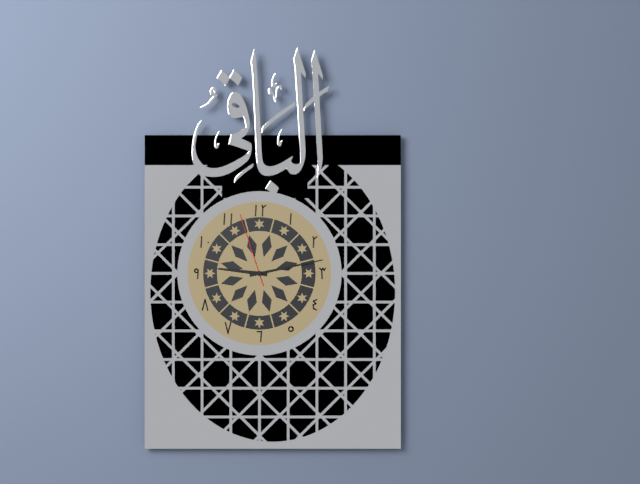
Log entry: {"hour": 9, "minute": 13, "second": 57}
